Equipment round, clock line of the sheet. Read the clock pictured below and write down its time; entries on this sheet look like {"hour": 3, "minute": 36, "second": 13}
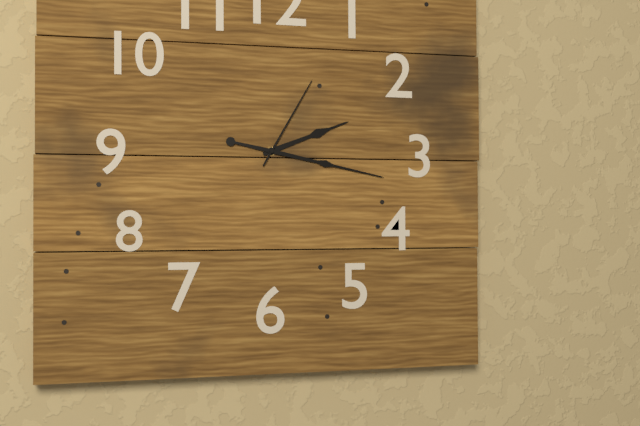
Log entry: {"hour": 2, "minute": 17, "second": 5}
